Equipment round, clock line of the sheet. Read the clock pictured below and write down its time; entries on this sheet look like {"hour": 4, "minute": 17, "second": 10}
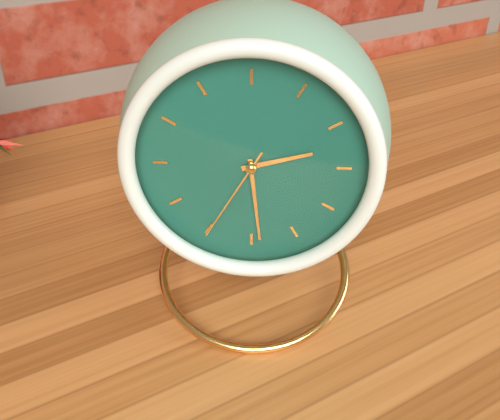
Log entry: {"hour": 2, "minute": 29, "second": 35}
